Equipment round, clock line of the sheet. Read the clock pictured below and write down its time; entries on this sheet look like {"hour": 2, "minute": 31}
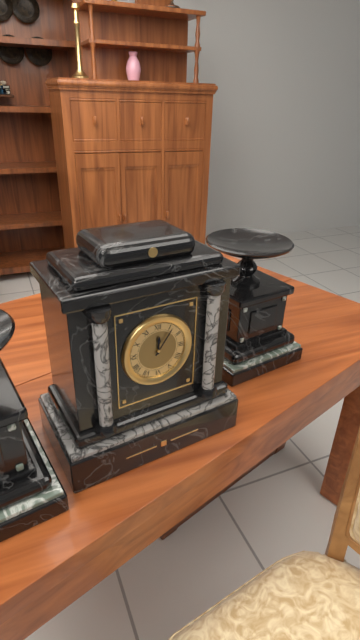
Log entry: {"hour": 12, "minute": 6}
